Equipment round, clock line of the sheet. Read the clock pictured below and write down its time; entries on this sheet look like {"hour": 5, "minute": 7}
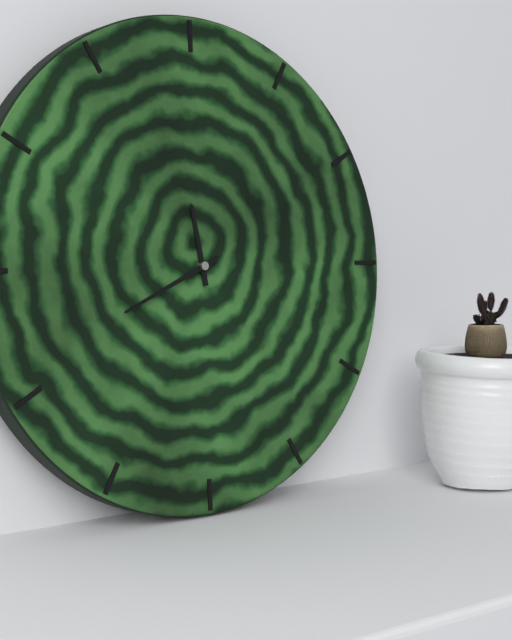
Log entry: {"hour": 11, "minute": 41}
